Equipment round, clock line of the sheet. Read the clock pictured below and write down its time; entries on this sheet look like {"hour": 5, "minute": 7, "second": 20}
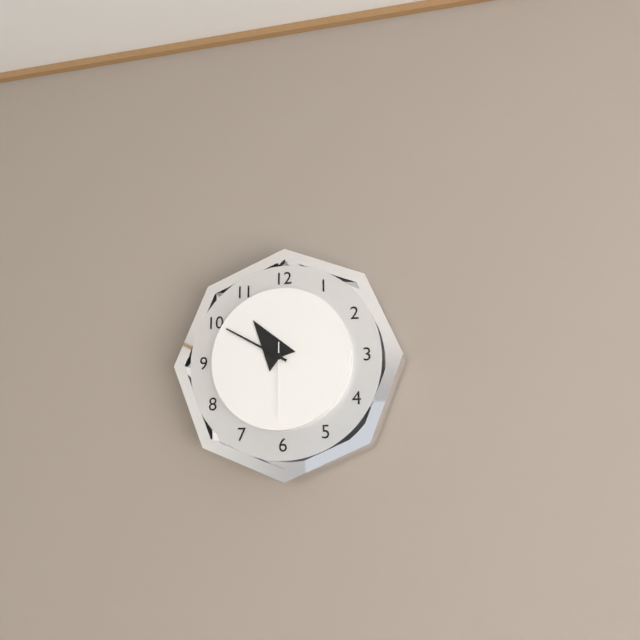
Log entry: {"hour": 10, "minute": 50, "second": 30}
